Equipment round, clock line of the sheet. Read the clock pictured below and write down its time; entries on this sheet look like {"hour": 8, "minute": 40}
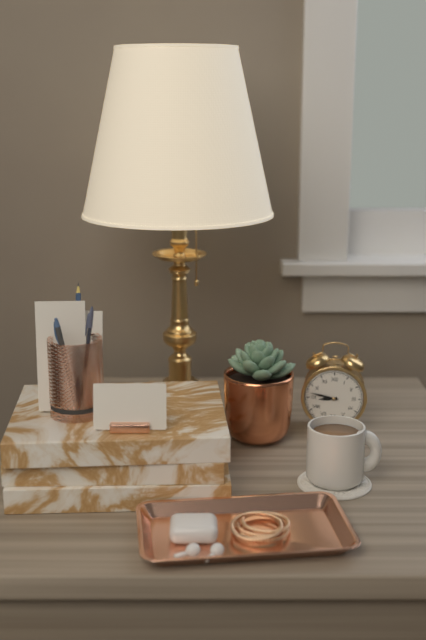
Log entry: {"hour": 8, "minute": 47}
